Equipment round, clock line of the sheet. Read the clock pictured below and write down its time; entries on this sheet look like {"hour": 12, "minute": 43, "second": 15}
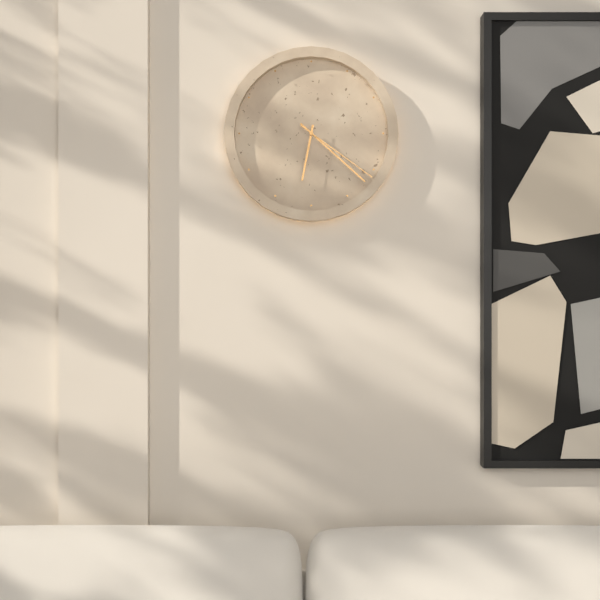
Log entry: {"hour": 6, "minute": 22, "second": 21}
